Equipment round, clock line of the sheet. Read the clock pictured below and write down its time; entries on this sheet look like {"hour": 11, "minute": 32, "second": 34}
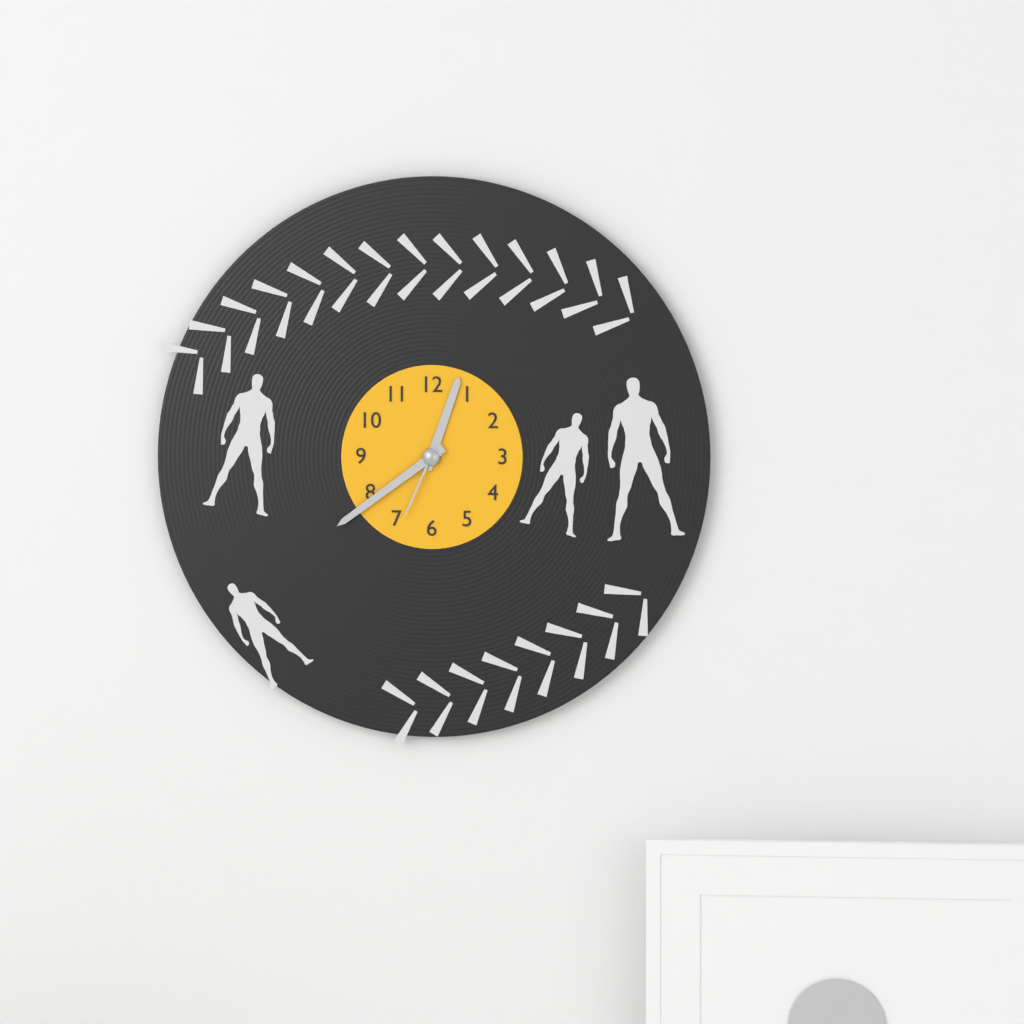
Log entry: {"hour": 12, "minute": 39, "second": 34}
